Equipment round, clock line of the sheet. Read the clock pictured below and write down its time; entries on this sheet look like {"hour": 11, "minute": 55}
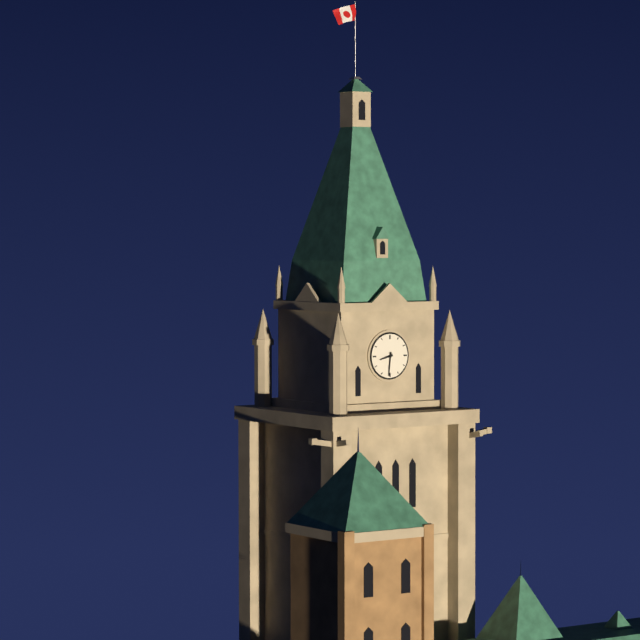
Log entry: {"hour": 8, "minute": 31}
